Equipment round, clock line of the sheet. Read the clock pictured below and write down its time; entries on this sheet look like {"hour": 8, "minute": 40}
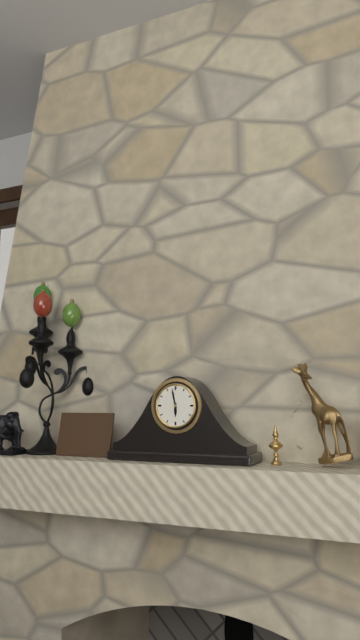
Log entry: {"hour": 5, "minute": 58}
